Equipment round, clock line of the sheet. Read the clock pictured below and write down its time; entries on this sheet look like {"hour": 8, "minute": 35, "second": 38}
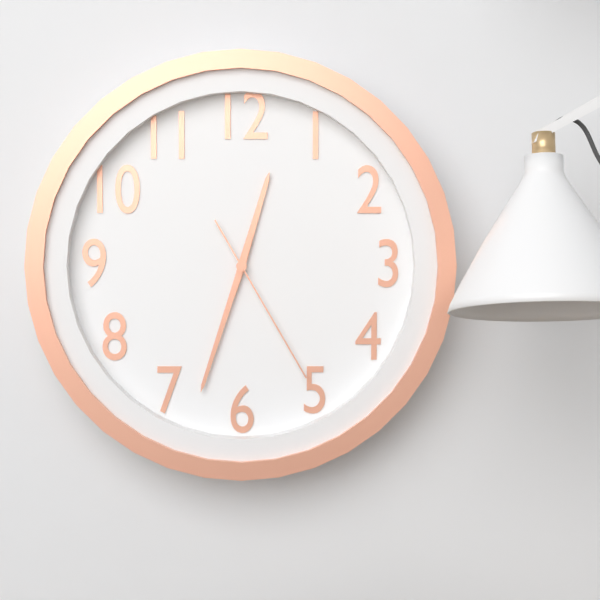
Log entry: {"hour": 12, "minute": 33, "second": 25}
